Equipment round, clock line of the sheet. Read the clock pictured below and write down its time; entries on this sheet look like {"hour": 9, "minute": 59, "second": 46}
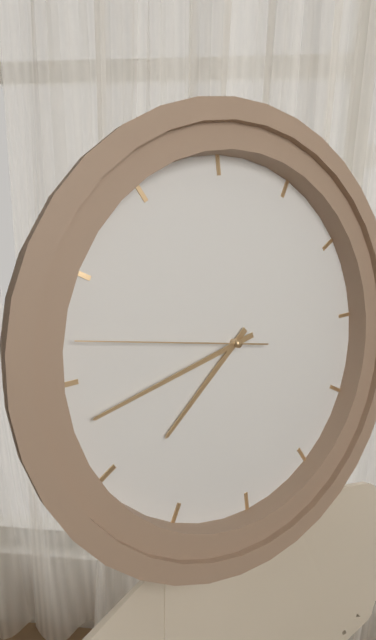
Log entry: {"hour": 7, "minute": 43, "second": 47}
